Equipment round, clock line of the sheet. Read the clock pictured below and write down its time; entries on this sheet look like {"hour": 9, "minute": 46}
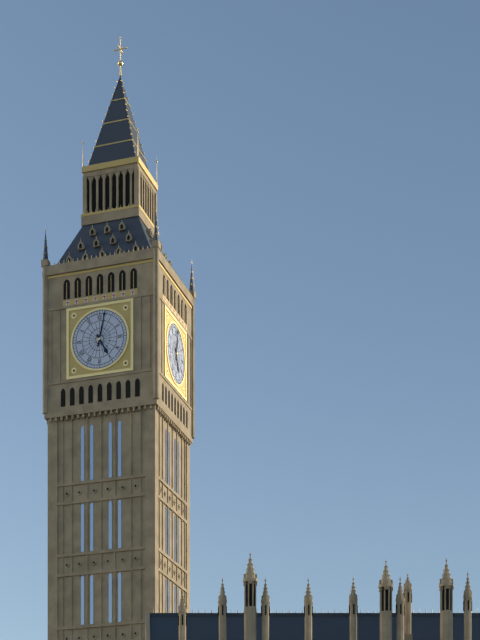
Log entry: {"hour": 5, "minute": 2}
